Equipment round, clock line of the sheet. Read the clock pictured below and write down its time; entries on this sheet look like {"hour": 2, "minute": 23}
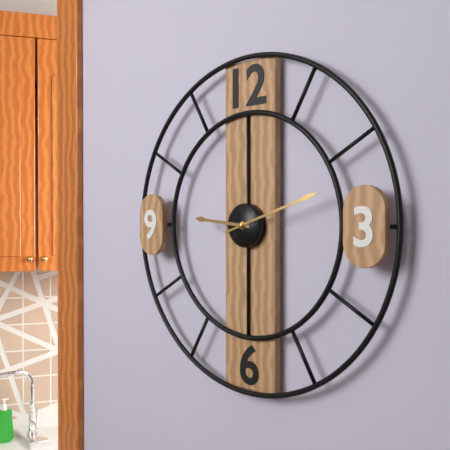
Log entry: {"hour": 9, "minute": 12}
